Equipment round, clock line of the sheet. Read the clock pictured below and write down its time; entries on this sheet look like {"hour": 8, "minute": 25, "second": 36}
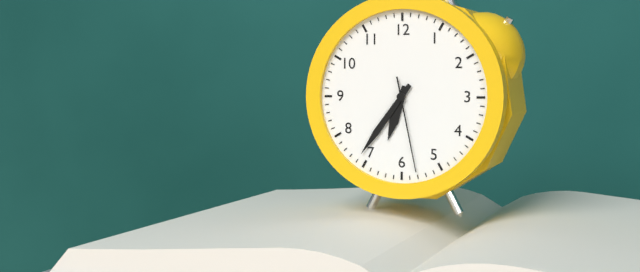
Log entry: {"hour": 6, "minute": 36, "second": 28}
